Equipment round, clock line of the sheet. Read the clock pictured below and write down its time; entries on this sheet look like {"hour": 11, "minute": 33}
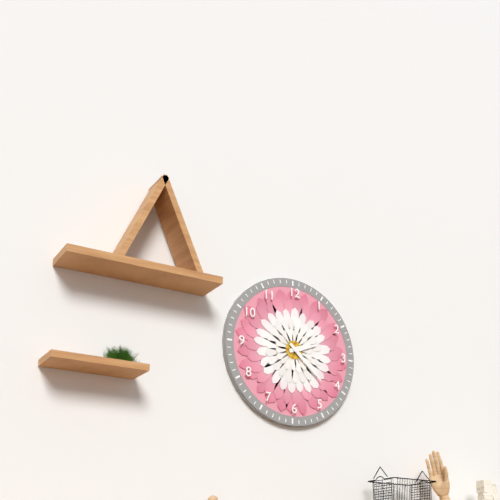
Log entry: {"hour": 2, "minute": 22}
